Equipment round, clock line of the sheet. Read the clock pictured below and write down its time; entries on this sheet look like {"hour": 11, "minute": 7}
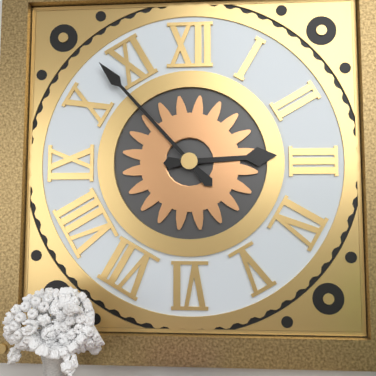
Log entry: {"hour": 2, "minute": 53}
